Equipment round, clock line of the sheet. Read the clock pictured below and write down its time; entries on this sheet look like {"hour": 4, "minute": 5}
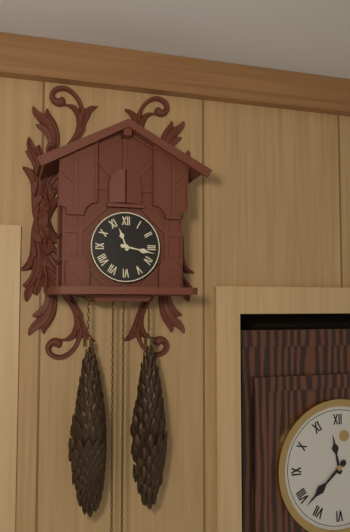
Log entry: {"hour": 11, "minute": 17}
